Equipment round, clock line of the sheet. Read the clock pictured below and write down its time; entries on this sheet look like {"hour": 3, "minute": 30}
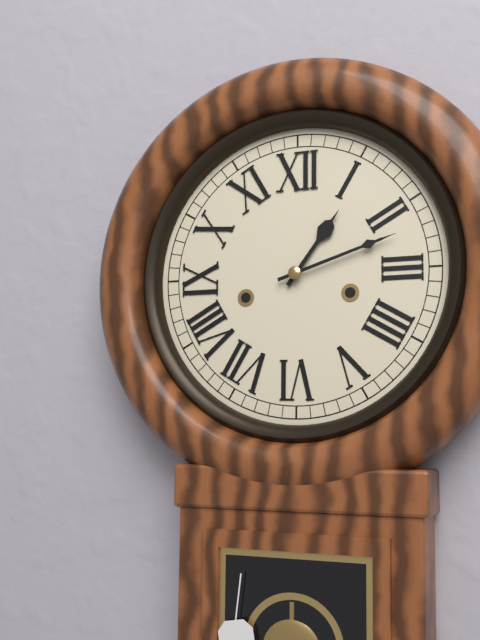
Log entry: {"hour": 1, "minute": 12}
